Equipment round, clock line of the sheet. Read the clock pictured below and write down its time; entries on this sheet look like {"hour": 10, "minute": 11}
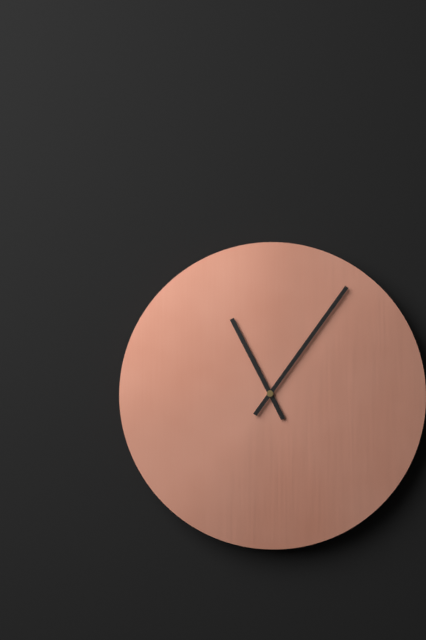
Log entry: {"hour": 11, "minute": 6}
